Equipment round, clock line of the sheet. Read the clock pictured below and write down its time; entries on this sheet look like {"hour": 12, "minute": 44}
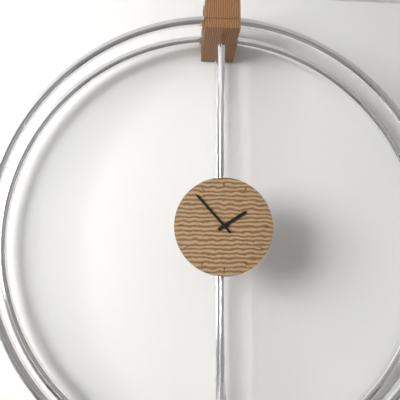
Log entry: {"hour": 1, "minute": 53}
